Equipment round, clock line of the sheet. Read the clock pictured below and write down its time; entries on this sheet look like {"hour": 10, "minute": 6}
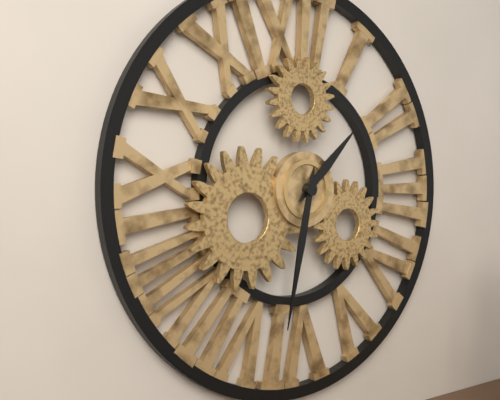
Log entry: {"hour": 1, "minute": 32}
